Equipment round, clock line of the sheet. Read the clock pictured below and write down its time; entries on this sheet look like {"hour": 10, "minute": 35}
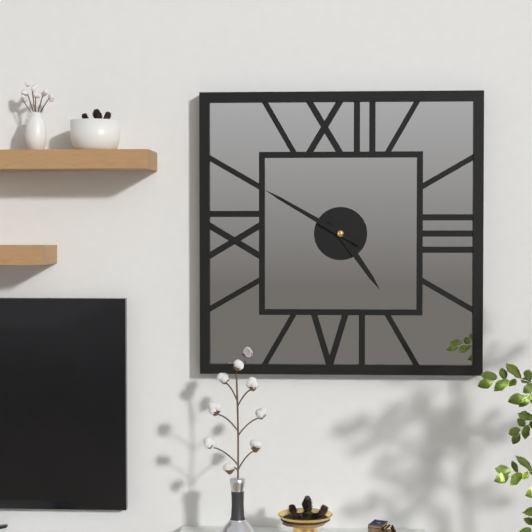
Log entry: {"hour": 4, "minute": 50}
